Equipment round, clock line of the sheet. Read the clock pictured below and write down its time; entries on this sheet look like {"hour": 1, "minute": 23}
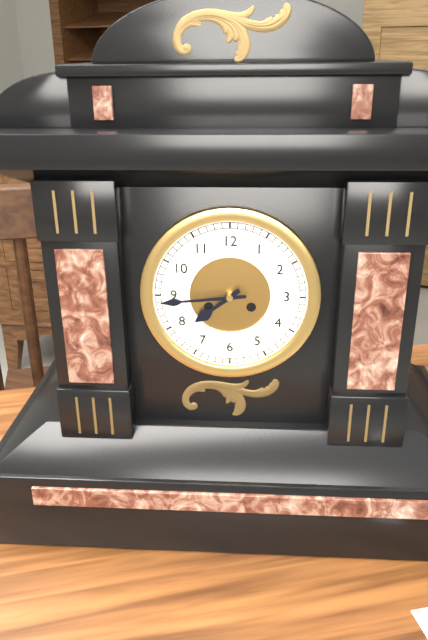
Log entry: {"hour": 7, "minute": 44}
